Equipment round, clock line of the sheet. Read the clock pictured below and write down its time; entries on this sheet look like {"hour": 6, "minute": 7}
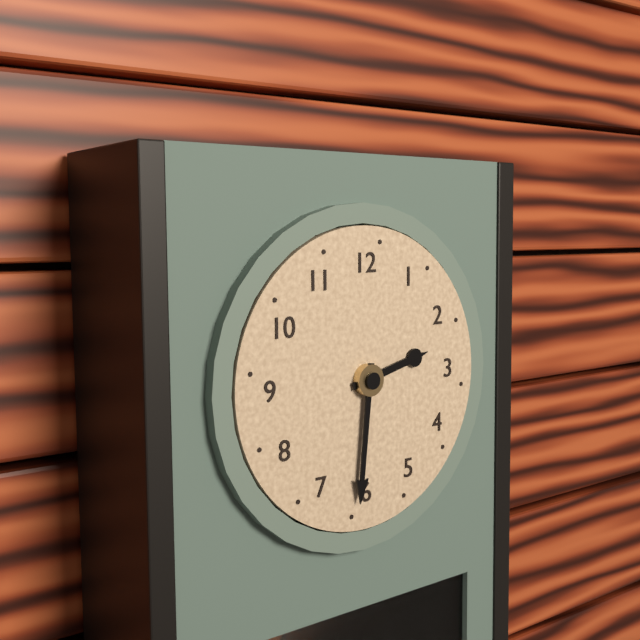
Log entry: {"hour": 2, "minute": 31}
